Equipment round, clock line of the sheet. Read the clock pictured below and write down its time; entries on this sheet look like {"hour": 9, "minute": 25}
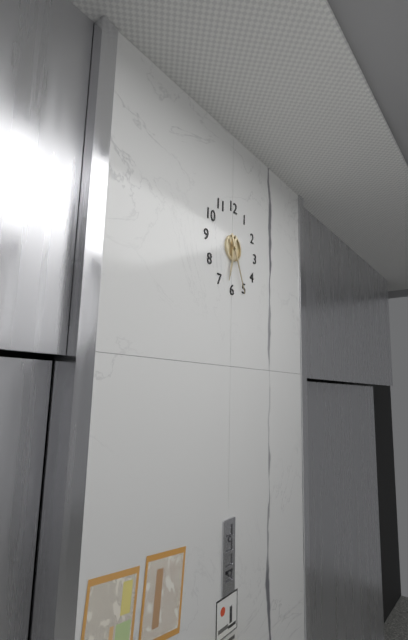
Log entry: {"hour": 6, "minute": 26}
